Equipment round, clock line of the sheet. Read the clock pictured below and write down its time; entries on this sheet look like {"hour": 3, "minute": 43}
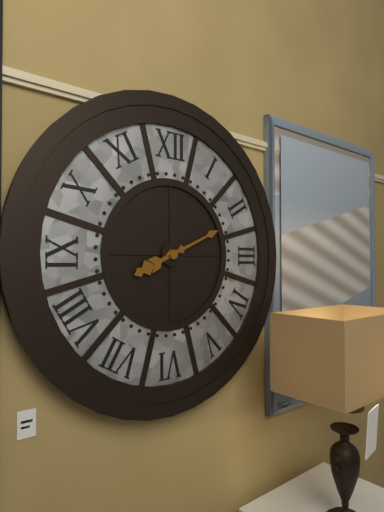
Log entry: {"hour": 8, "minute": 11}
